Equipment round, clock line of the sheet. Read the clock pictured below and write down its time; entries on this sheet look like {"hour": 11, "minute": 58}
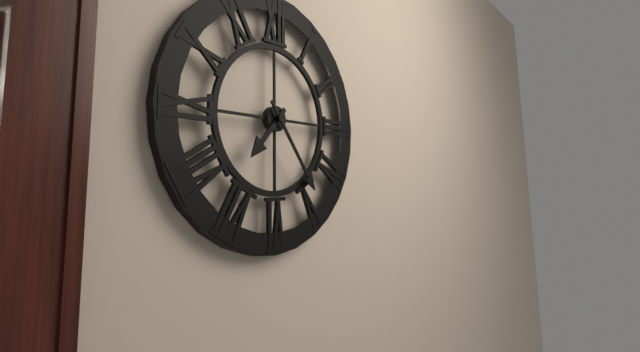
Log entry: {"hour": 7, "minute": 24}
